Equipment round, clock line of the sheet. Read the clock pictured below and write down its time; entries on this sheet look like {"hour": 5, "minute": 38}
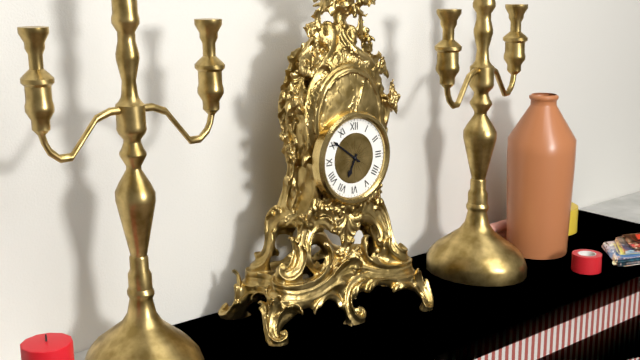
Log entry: {"hour": 6, "minute": 51}
